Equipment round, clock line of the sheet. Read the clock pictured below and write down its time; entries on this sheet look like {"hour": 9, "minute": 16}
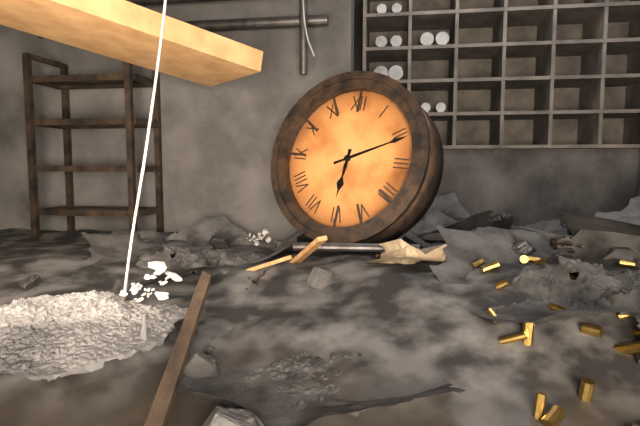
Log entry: {"hour": 6, "minute": 11}
